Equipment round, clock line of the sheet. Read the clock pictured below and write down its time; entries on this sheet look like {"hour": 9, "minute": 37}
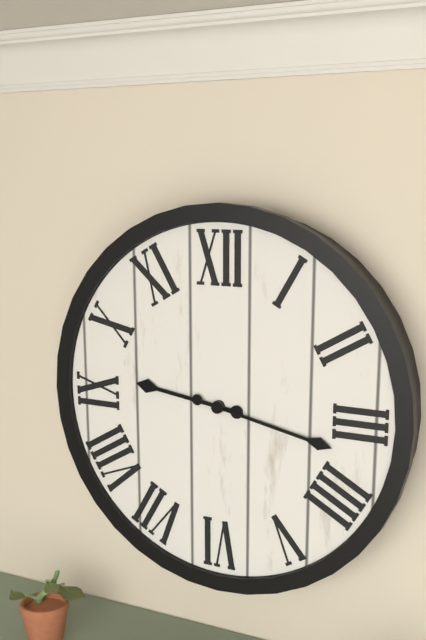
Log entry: {"hour": 9, "minute": 17}
